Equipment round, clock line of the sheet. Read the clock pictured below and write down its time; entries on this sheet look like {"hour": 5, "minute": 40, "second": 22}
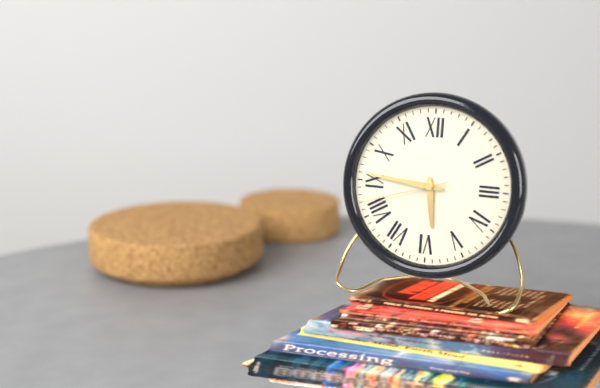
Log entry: {"hour": 5, "minute": 46, "second": 42}
